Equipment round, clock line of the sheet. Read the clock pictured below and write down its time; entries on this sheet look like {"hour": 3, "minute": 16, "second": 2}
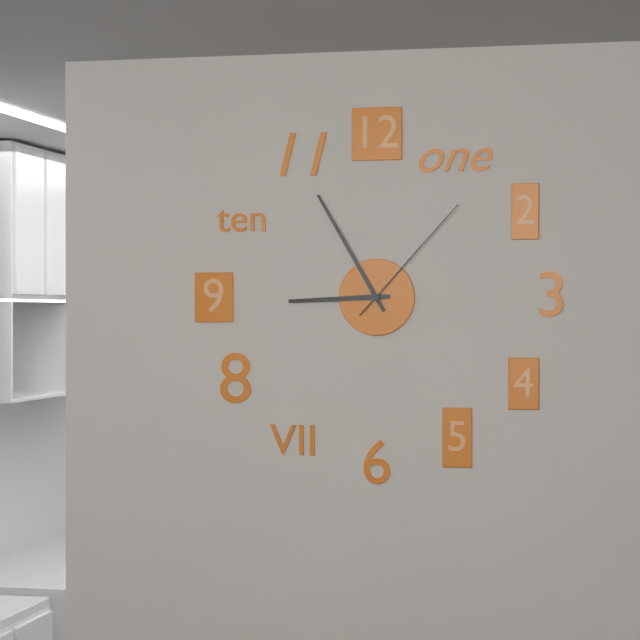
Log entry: {"hour": 8, "minute": 55, "second": 7}
